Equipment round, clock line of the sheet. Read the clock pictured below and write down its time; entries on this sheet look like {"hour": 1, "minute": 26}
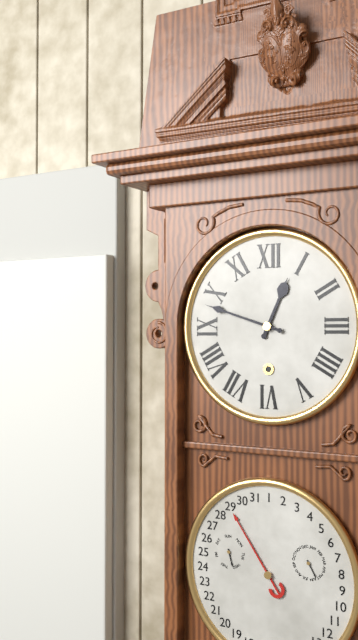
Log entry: {"hour": 12, "minute": 48}
